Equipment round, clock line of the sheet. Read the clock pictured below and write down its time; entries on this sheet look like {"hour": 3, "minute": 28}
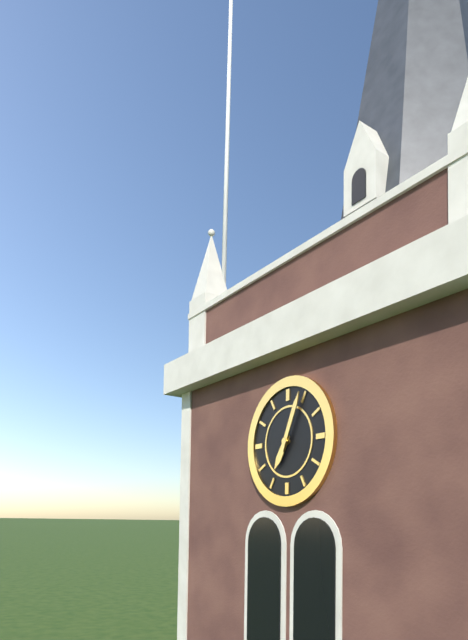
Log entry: {"hour": 7, "minute": 4}
